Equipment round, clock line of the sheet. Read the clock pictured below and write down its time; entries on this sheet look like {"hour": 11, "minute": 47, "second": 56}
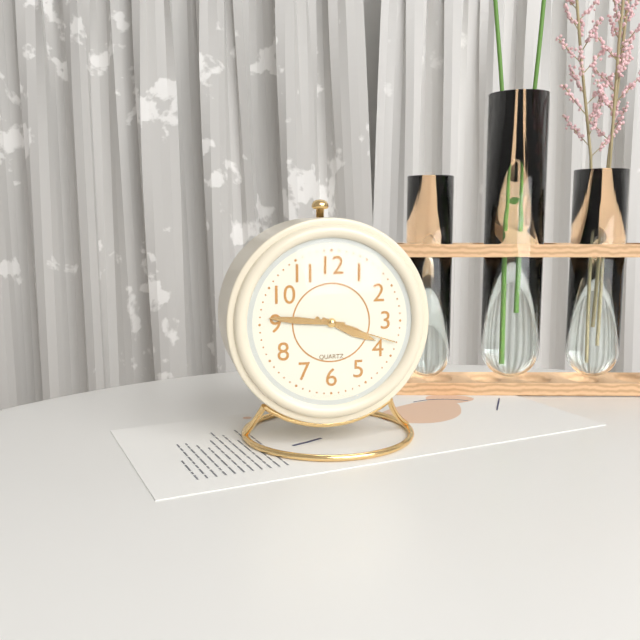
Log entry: {"hour": 3, "minute": 46, "second": 18}
